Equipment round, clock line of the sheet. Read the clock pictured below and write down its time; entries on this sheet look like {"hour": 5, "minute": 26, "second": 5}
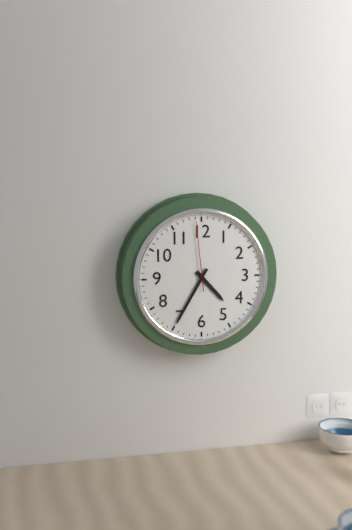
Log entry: {"hour": 4, "minute": 35, "second": 59}
